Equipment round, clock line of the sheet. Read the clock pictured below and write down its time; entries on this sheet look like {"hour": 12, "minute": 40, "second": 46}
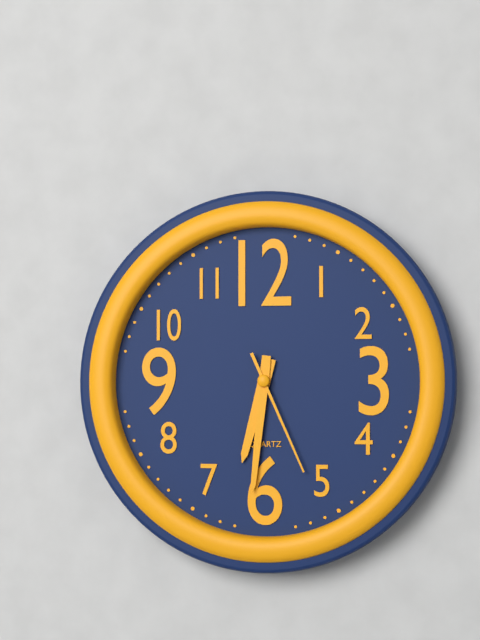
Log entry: {"hour": 6, "minute": 31, "second": 26}
